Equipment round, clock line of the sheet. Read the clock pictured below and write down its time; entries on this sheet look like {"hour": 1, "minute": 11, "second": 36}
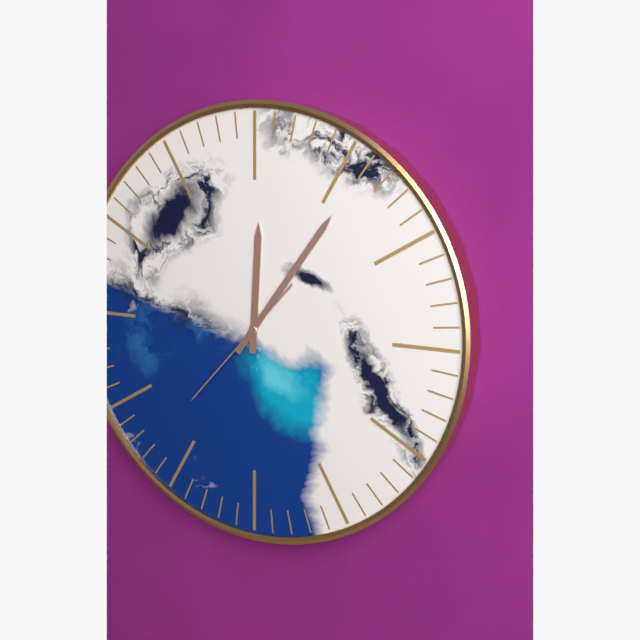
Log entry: {"hour": 12, "minute": 6, "second": 37}
